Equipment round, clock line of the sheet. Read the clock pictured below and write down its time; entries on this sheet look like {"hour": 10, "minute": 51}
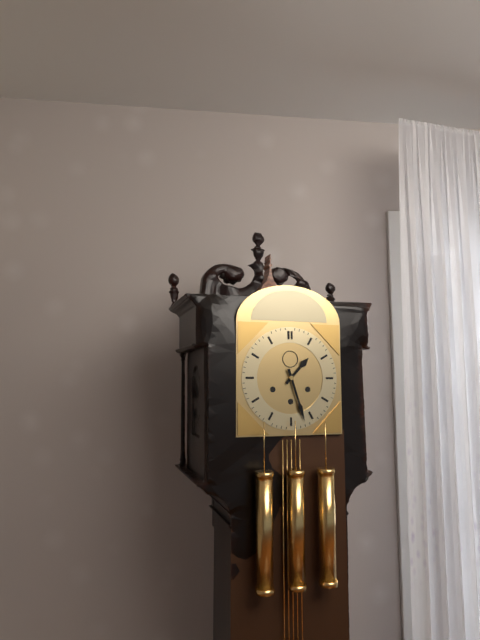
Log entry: {"hour": 1, "minute": 27}
